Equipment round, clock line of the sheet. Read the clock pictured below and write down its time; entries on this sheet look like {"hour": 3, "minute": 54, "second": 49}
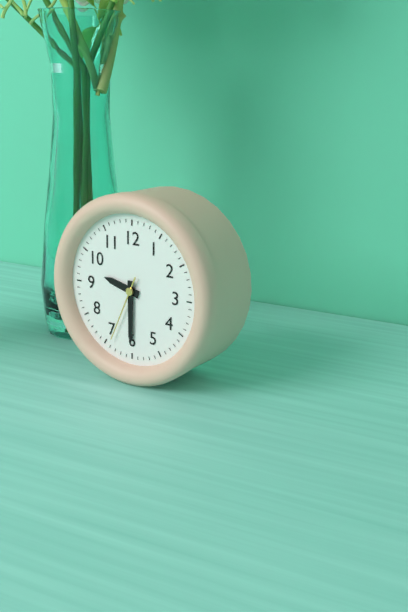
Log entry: {"hour": 9, "minute": 30, "second": 34}
